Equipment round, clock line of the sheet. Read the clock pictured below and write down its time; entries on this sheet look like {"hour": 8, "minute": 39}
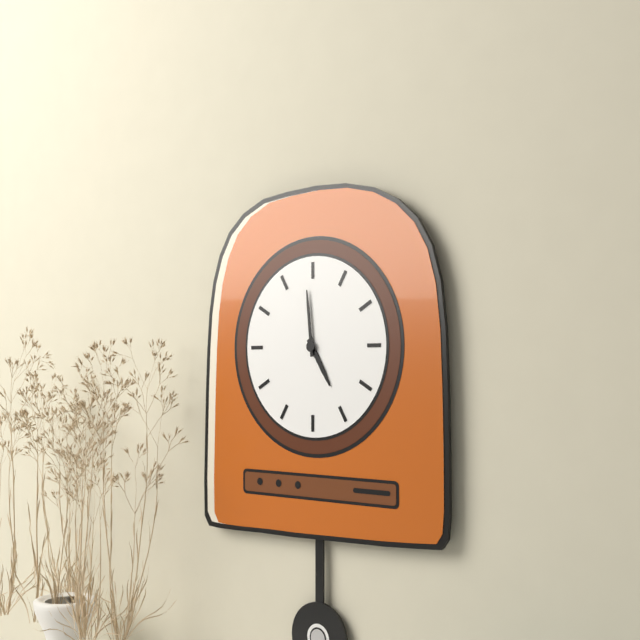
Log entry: {"hour": 4, "minute": 59}
